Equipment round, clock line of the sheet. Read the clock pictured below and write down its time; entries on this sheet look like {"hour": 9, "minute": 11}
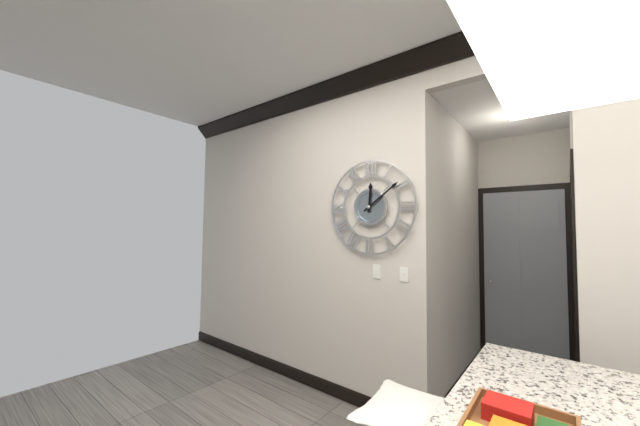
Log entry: {"hour": 12, "minute": 9}
